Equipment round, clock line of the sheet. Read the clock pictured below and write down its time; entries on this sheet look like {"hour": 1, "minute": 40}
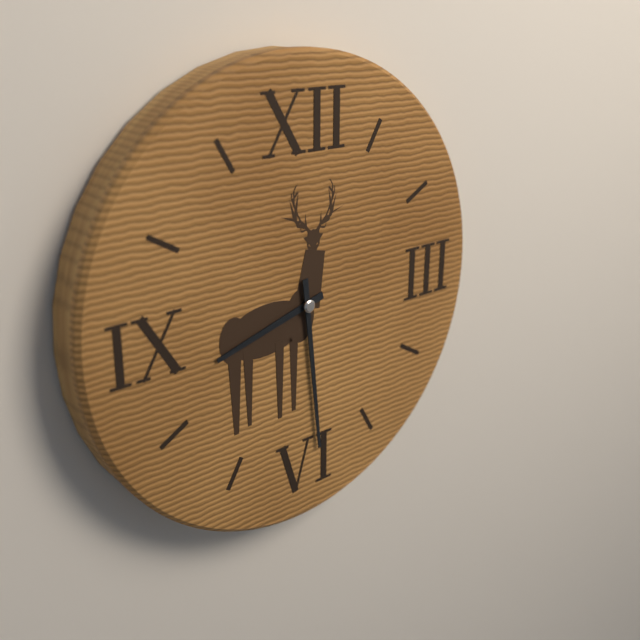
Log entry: {"hour": 8, "minute": 29}
